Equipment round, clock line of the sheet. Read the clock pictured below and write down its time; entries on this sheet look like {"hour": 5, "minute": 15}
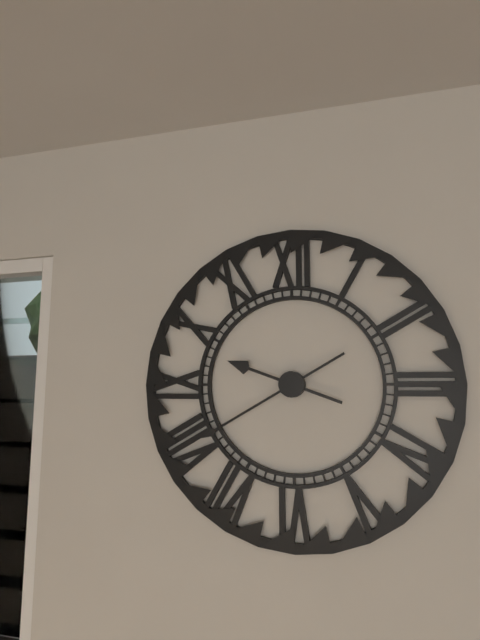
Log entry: {"hour": 9, "minute": 40}
